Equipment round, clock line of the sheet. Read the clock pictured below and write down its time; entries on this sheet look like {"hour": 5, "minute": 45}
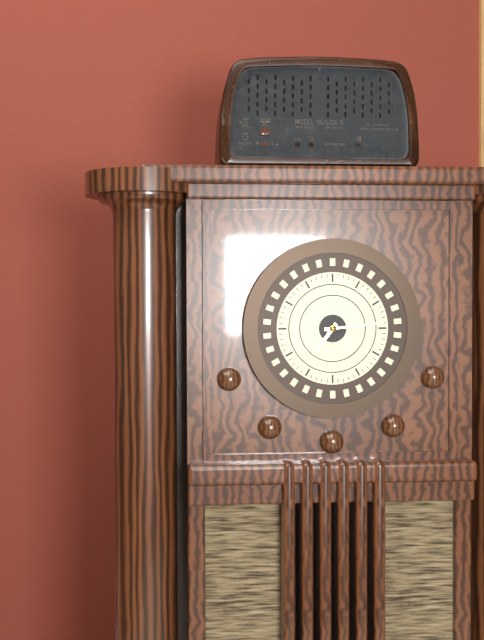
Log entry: {"hour": 7, "minute": 14}
